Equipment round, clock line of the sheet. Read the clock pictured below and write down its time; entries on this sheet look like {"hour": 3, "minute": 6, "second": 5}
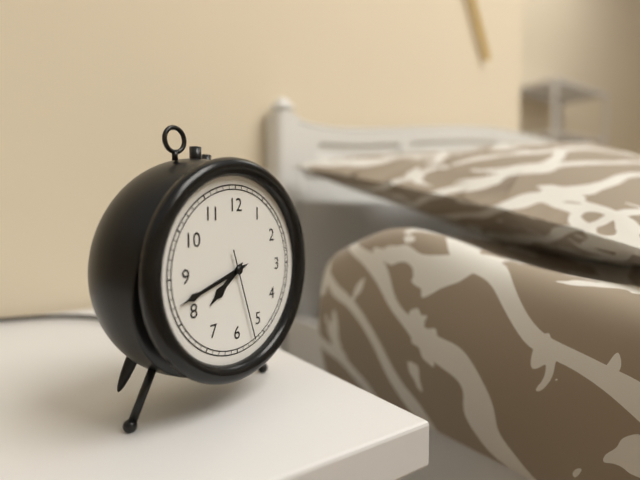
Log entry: {"hour": 7, "minute": 42, "second": 27}
